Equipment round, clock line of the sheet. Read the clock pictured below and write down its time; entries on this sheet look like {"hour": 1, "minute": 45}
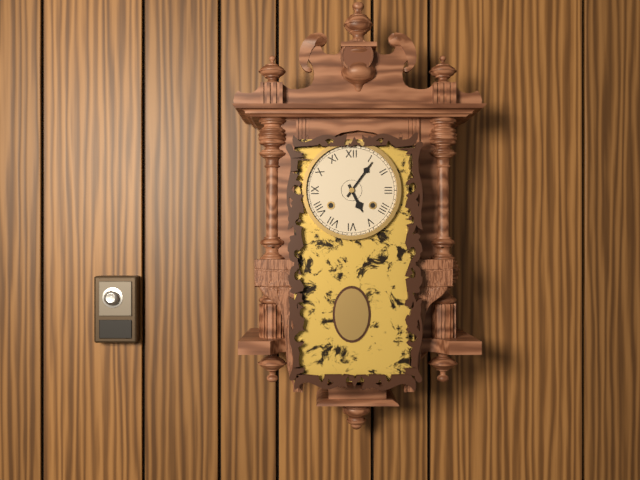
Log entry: {"hour": 5, "minute": 6}
